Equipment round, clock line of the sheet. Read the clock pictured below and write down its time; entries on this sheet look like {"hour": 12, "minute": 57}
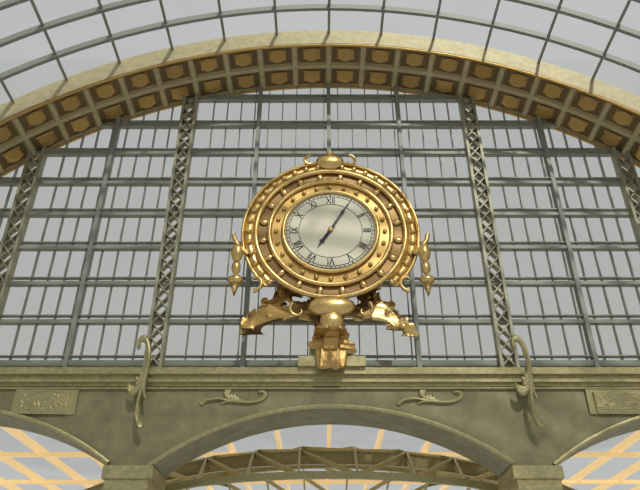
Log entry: {"hour": 7, "minute": 5}
